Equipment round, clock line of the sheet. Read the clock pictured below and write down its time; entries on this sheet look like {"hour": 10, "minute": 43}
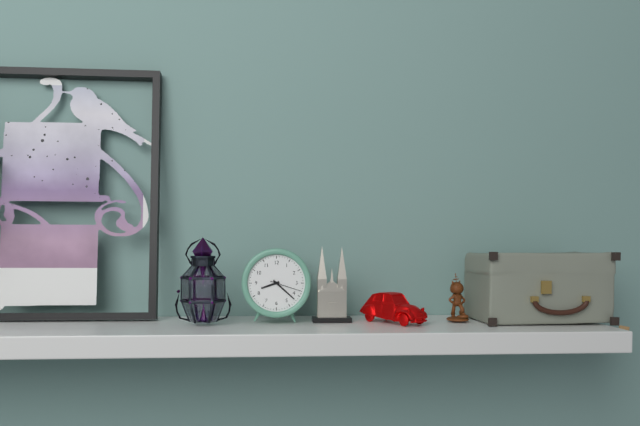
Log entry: {"hour": 8, "minute": 22}
